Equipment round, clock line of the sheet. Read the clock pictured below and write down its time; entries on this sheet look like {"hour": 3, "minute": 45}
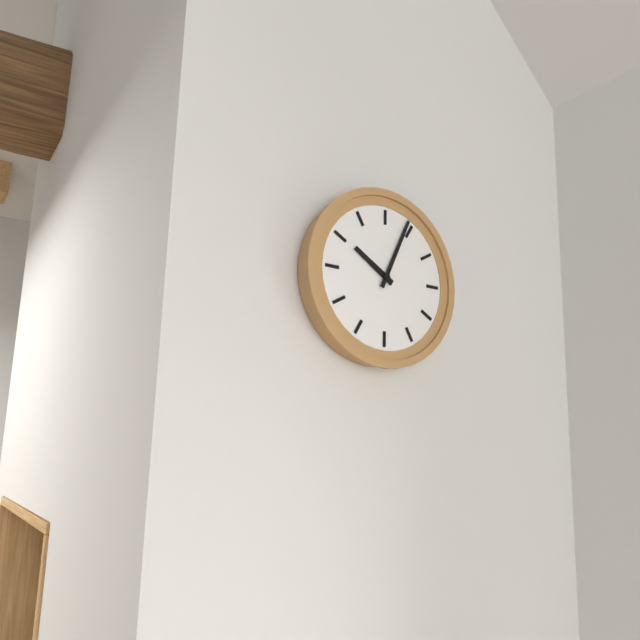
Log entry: {"hour": 10, "minute": 4}
